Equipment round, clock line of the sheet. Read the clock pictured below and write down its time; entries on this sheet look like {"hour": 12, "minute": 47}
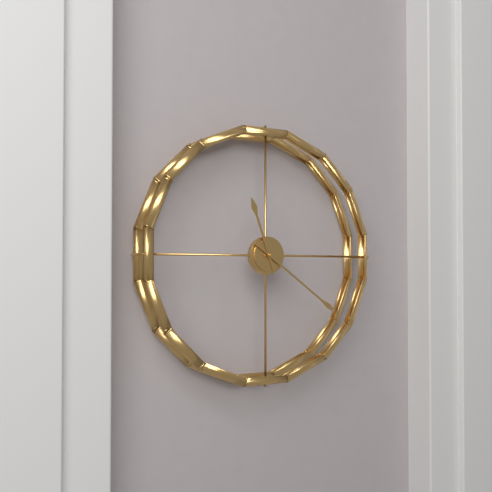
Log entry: {"hour": 11, "minute": 21}
